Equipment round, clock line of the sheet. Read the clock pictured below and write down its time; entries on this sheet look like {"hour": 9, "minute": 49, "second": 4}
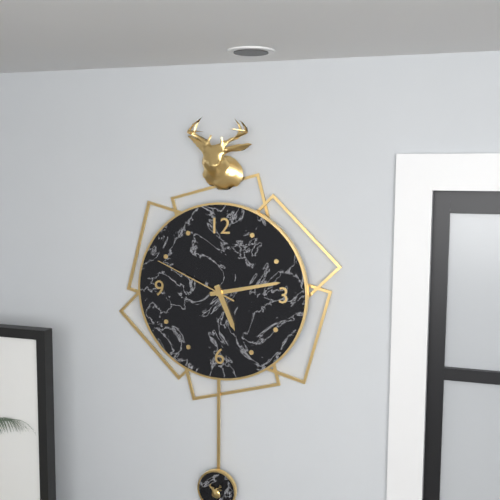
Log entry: {"hour": 5, "minute": 13, "second": 49}
